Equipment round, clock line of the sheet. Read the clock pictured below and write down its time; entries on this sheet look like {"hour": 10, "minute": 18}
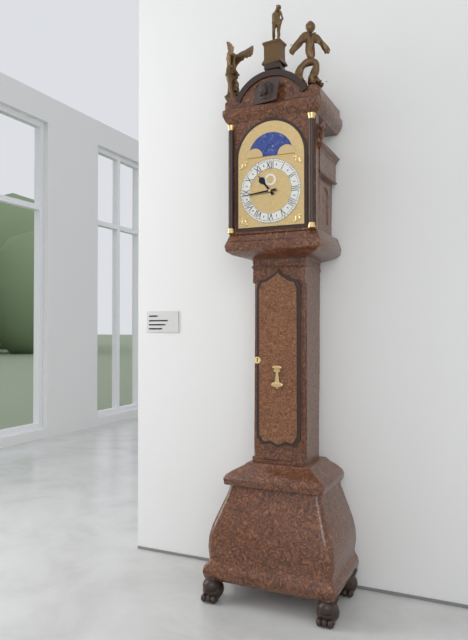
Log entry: {"hour": 10, "minute": 44}
